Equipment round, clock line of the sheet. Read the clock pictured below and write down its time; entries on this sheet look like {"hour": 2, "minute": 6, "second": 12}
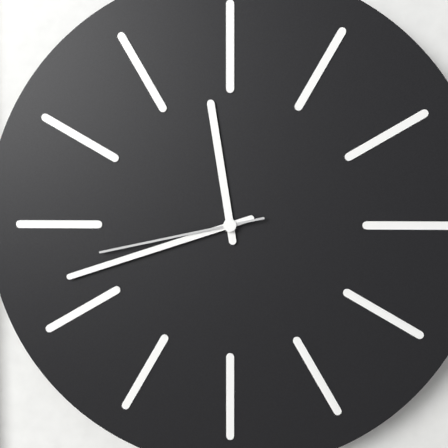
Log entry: {"hour": 11, "minute": 42, "second": 43}
